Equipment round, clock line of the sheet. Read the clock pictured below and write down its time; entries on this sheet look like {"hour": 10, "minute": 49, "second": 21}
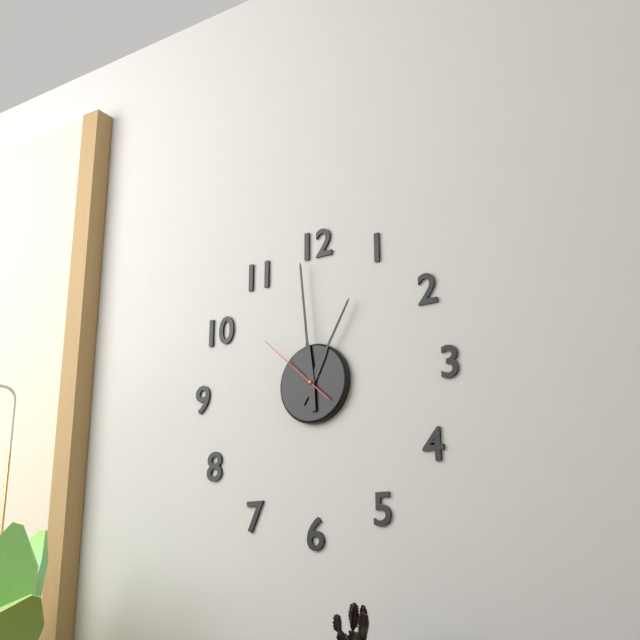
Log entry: {"hour": 12, "minute": 59, "second": 52}
